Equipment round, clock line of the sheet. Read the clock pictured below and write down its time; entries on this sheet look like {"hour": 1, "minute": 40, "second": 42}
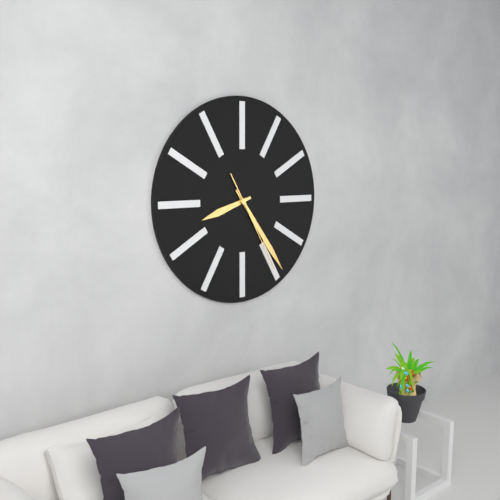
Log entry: {"hour": 8, "minute": 24, "second": 25}
